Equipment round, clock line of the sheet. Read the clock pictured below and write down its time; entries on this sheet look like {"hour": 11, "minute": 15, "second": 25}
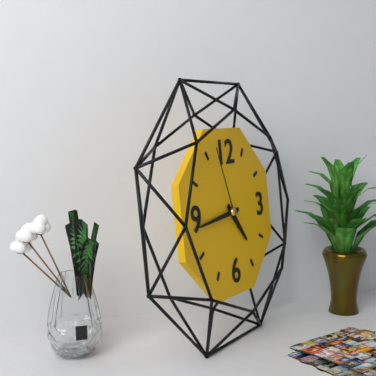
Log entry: {"hour": 4, "minute": 44, "second": 57}
